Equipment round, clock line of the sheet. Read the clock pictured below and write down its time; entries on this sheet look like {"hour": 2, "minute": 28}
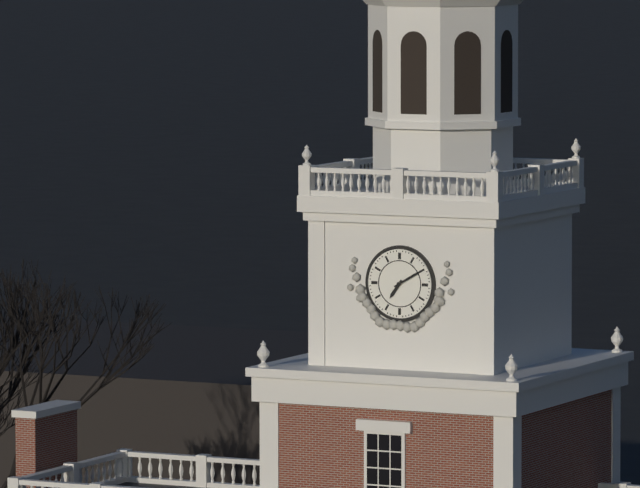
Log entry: {"hour": 7, "minute": 10}
